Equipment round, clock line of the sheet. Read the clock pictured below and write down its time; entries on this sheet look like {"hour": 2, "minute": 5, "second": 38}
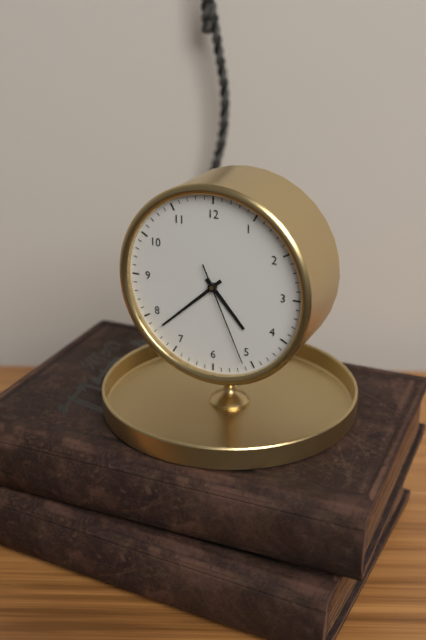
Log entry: {"hour": 4, "minute": 38, "second": 26}
